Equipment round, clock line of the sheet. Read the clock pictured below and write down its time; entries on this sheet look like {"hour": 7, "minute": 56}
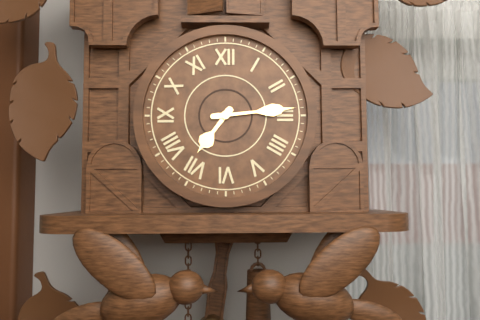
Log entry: {"hour": 7, "minute": 14}
